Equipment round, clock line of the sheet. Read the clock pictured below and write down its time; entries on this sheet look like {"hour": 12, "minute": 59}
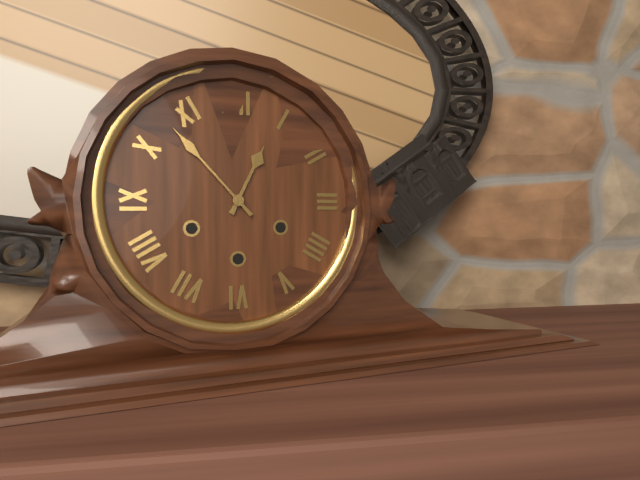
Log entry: {"hour": 12, "minute": 53}
